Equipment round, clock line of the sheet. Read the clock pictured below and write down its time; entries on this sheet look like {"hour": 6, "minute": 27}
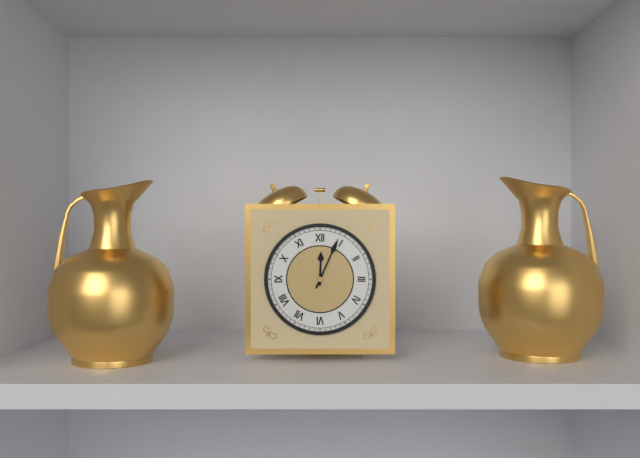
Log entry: {"hour": 12, "minute": 4}
